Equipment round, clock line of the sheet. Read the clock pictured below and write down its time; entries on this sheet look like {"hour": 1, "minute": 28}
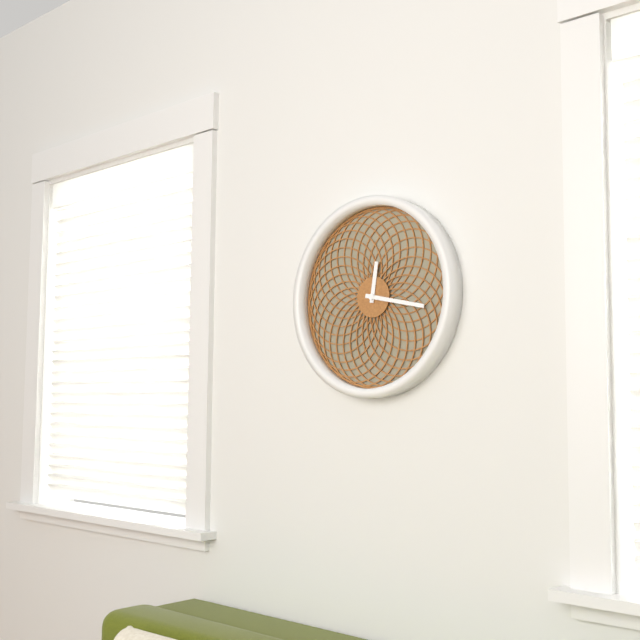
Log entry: {"hour": 12, "minute": 17}
